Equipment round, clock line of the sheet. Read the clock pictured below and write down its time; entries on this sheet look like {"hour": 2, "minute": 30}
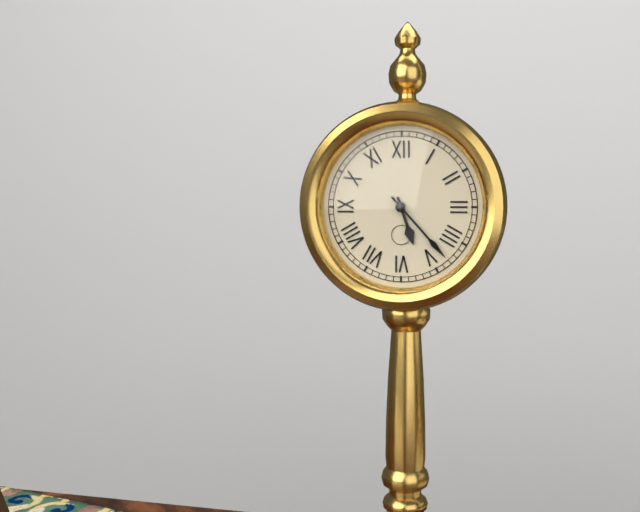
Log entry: {"hour": 5, "minute": 23}
